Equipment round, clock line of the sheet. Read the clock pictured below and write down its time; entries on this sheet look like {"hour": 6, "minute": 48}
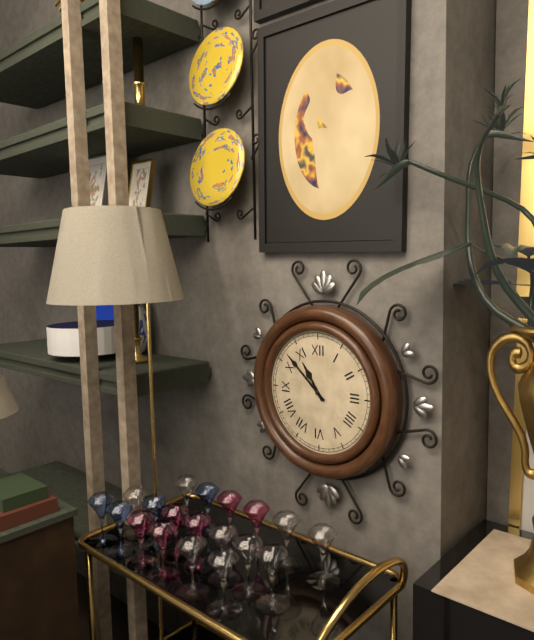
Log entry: {"hour": 10, "minute": 52}
